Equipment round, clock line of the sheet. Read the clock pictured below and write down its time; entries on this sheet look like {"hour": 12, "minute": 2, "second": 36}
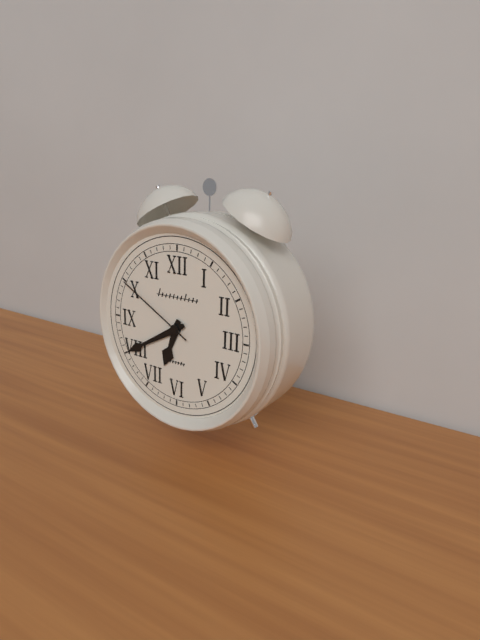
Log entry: {"hour": 6, "minute": 40, "second": 50}
